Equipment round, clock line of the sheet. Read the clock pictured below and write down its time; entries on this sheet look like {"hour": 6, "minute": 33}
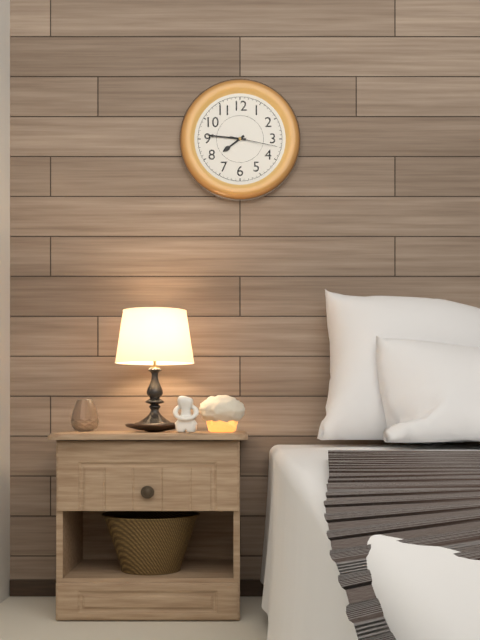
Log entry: {"hour": 7, "minute": 46}
